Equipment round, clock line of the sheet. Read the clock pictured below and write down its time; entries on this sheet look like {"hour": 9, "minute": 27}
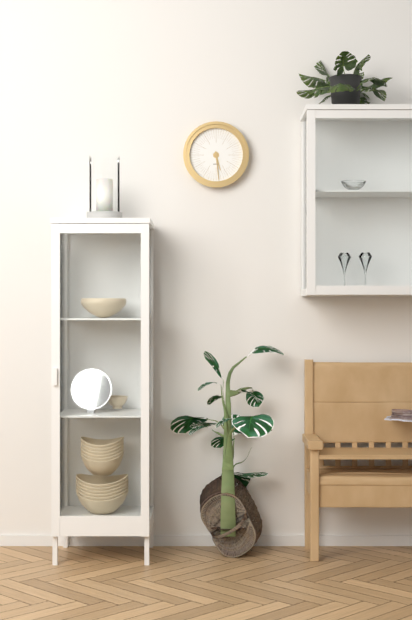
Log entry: {"hour": 5, "minute": 29}
